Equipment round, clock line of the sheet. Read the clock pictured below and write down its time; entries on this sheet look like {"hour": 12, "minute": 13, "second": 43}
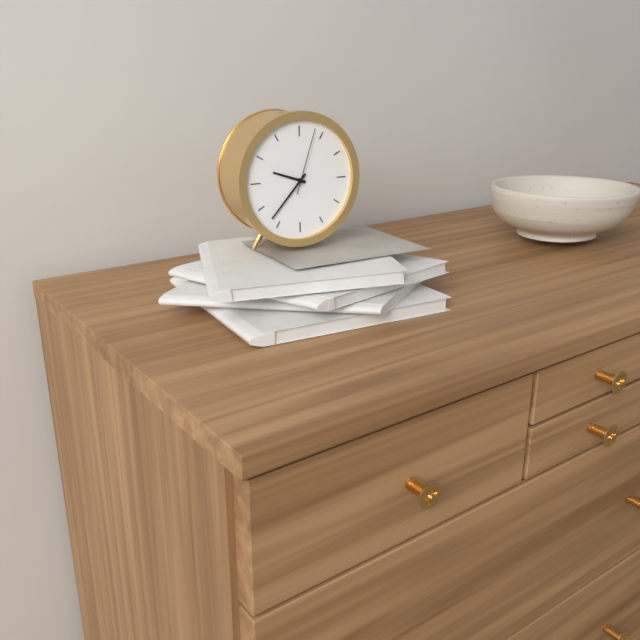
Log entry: {"hour": 9, "minute": 37, "second": 3}
